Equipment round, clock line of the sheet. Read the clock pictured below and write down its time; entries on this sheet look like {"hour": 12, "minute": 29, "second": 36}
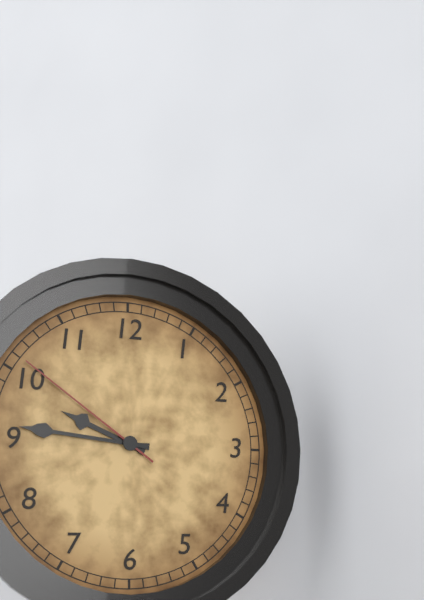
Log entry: {"hour": 9, "minute": 46, "second": 51}
